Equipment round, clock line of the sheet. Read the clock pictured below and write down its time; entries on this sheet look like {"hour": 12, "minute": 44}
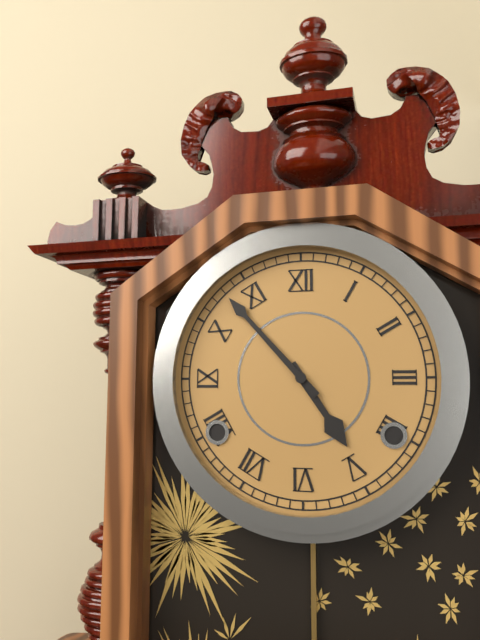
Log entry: {"hour": 4, "minute": 53}
